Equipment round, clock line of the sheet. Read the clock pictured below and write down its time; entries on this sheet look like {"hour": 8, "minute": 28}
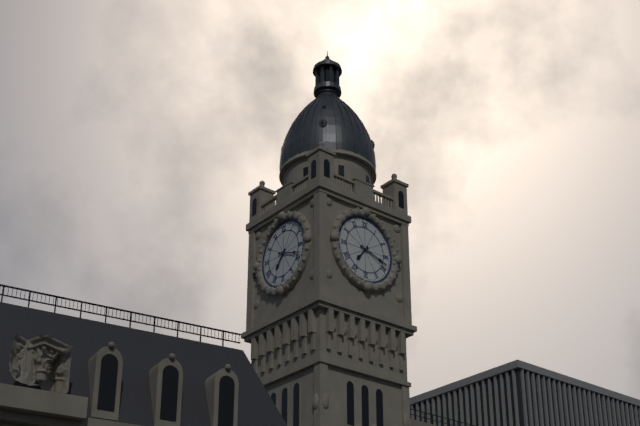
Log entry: {"hour": 7, "minute": 18}
